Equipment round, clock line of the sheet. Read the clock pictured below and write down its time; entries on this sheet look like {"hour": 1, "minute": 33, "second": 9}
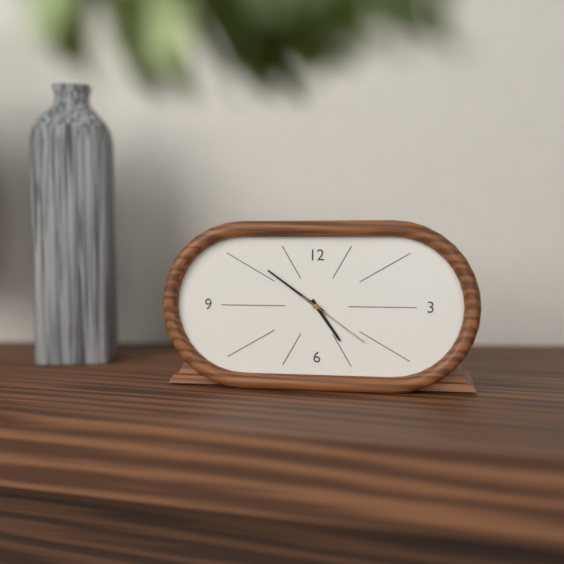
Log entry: {"hour": 4, "minute": 51, "second": 21}
